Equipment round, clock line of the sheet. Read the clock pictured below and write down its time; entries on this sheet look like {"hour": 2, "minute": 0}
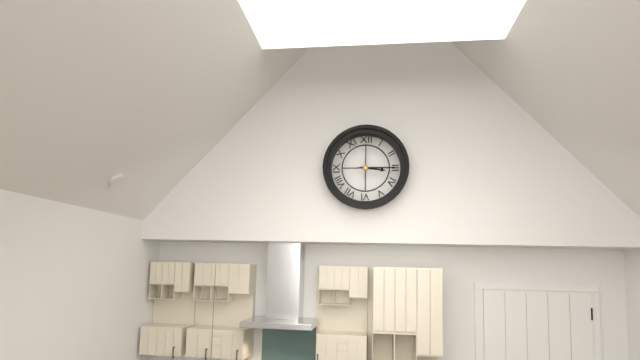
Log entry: {"hour": 3, "minute": 15}
